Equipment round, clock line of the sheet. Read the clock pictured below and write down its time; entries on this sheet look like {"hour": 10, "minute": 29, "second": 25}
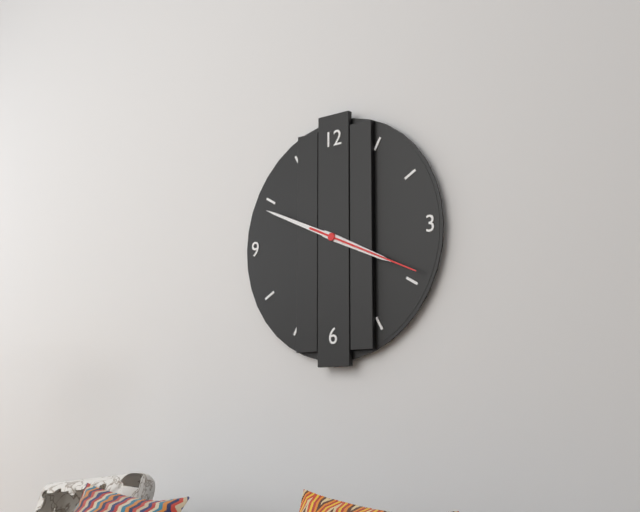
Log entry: {"hour": 3, "minute": 49, "second": 19}
